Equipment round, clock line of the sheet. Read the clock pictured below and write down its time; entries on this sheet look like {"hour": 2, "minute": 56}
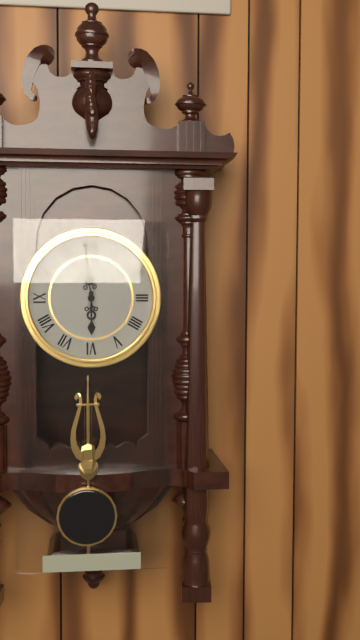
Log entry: {"hour": 5, "minute": 59}
